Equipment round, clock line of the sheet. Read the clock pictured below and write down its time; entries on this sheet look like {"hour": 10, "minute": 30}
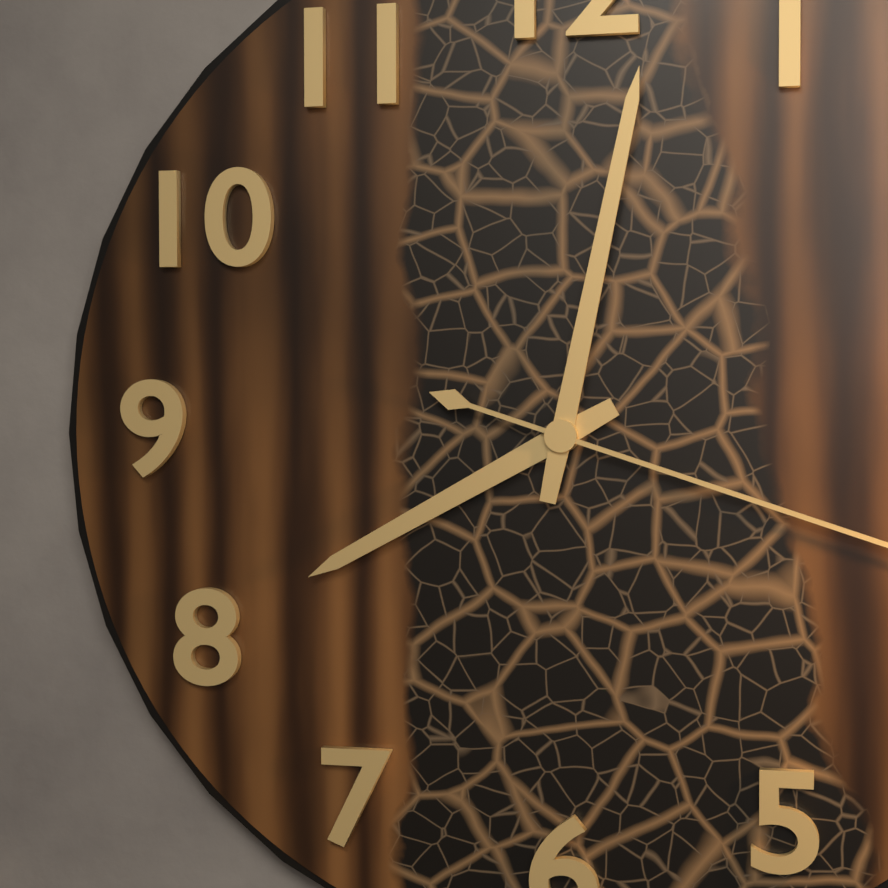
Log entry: {"hour": 8, "minute": 2}
